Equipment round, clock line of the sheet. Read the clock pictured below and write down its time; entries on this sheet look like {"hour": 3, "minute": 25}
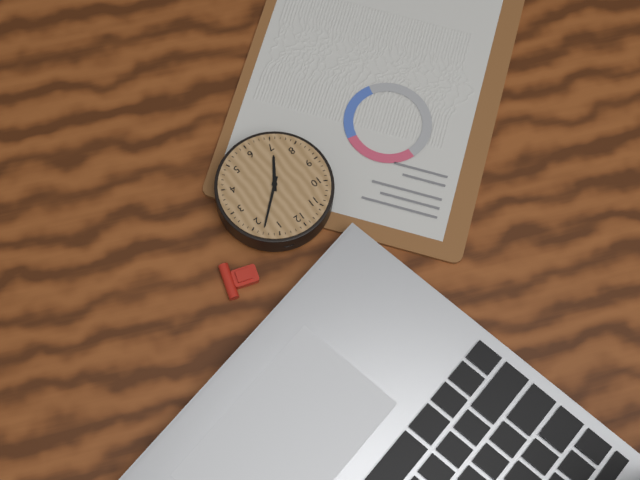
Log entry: {"hour": 7, "minute": 8}
